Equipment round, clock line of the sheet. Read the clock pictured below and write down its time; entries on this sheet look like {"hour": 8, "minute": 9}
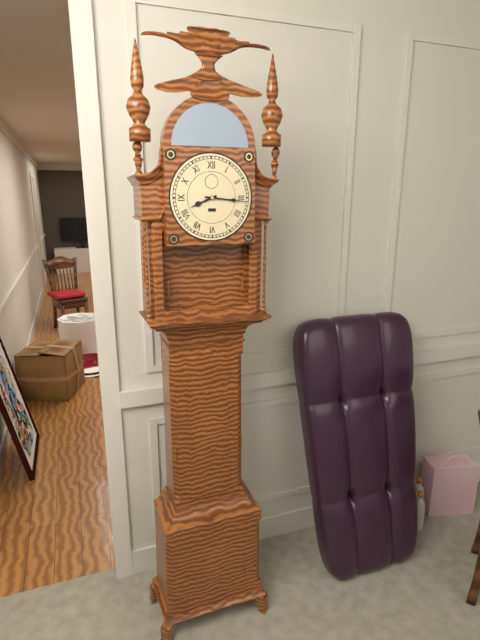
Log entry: {"hour": 8, "minute": 16}
